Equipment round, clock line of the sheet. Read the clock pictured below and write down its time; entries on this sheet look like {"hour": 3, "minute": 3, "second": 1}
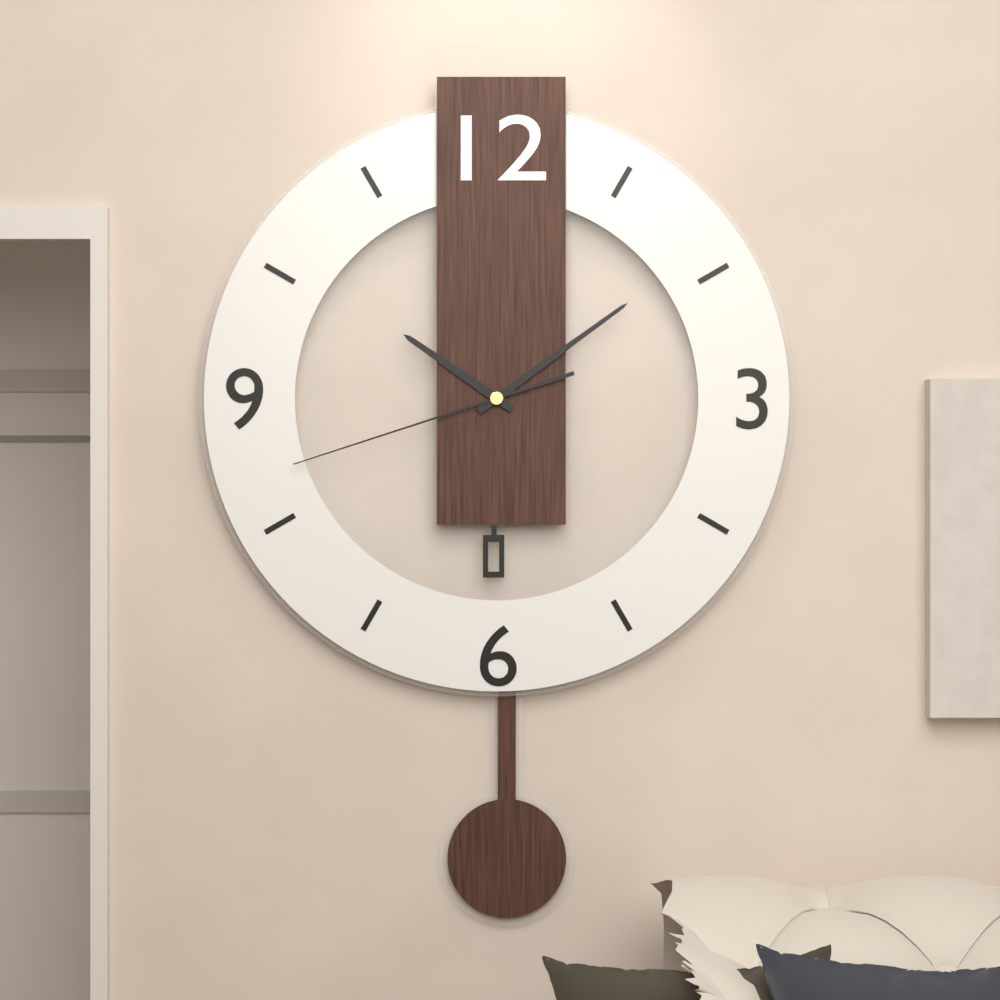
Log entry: {"hour": 10, "minute": 9, "second": 42}
